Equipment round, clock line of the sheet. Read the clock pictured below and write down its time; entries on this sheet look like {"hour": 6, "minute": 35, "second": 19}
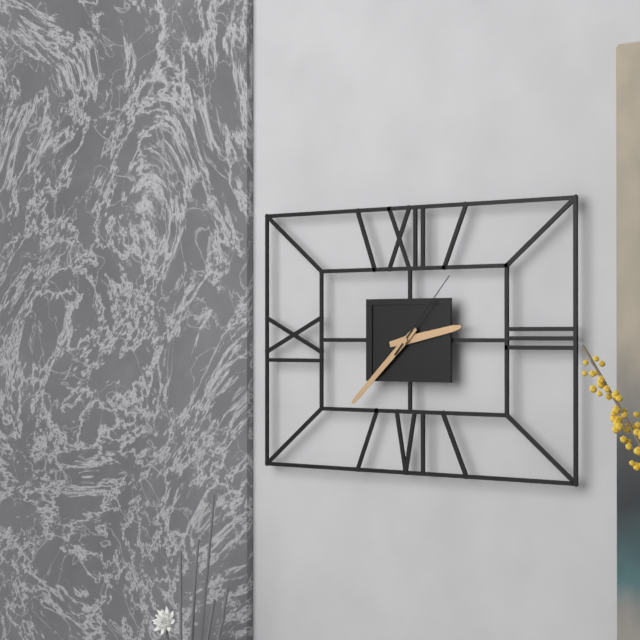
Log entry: {"hour": 2, "minute": 38, "second": 7}
